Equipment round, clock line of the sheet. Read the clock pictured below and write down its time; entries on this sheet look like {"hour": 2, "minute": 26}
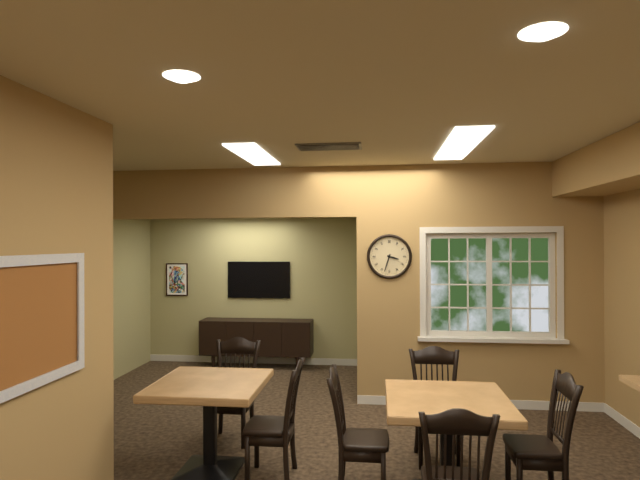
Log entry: {"hour": 3, "minute": 33}
